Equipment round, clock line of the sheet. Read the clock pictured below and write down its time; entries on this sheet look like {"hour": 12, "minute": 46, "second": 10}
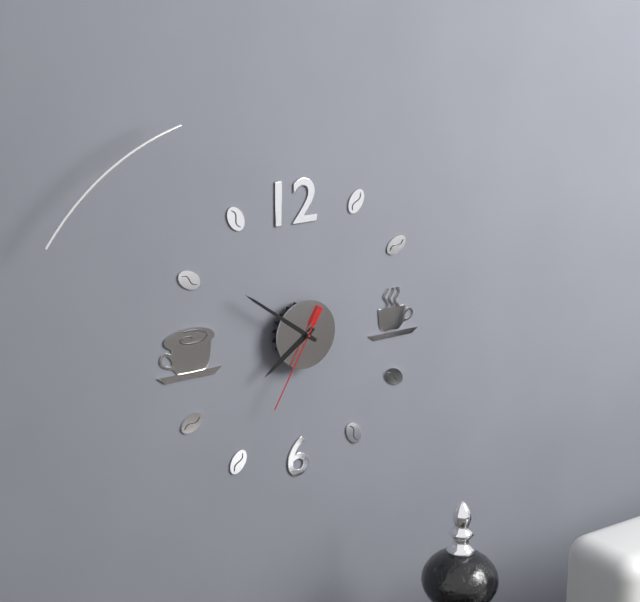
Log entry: {"hour": 7, "minute": 51, "second": 35}
